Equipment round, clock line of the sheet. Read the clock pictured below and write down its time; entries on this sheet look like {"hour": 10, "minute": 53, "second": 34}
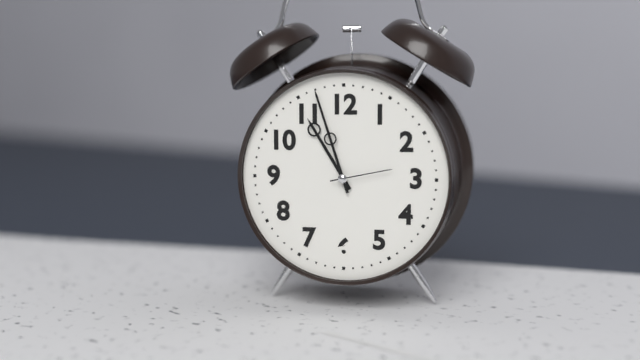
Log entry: {"hour": 10, "minute": 57, "second": 13}
